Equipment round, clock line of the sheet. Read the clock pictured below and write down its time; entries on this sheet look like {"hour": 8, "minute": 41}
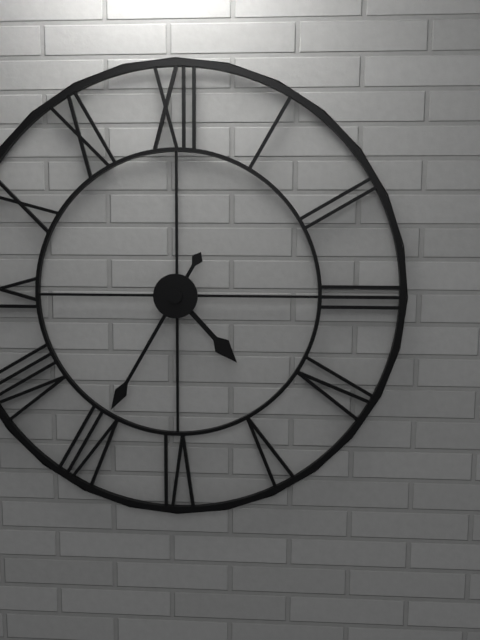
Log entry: {"hour": 4, "minute": 35}
